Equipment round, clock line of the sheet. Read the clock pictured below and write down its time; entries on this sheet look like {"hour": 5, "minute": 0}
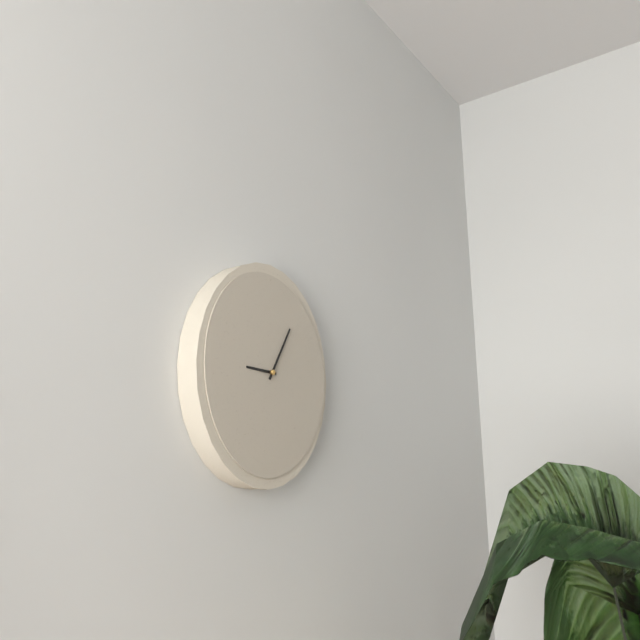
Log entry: {"hour": 9, "minute": 5}
